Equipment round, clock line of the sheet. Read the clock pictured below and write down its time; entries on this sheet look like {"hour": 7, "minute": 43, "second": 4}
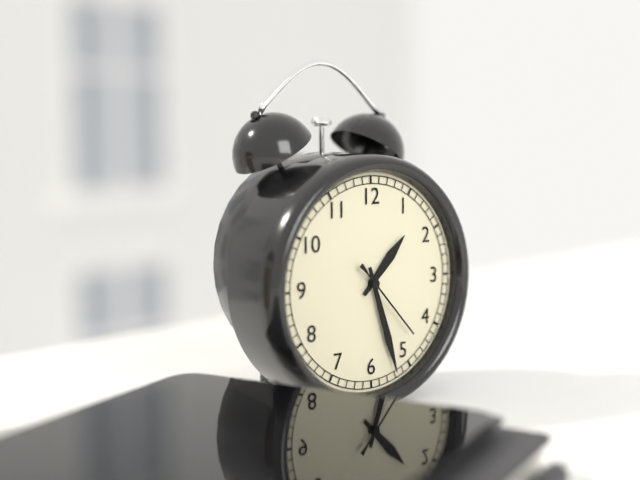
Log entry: {"hour": 1, "minute": 27, "second": 23}
